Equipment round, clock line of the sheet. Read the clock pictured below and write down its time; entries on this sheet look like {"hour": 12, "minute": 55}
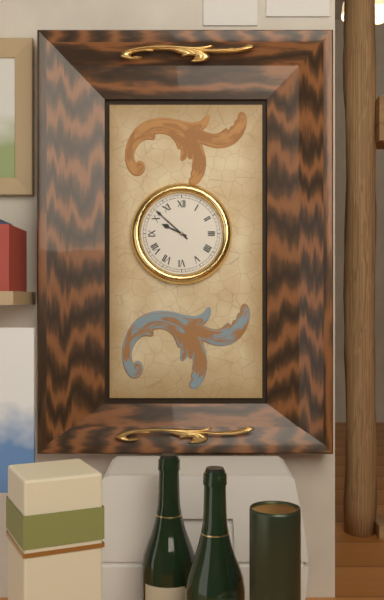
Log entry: {"hour": 9, "minute": 52}
